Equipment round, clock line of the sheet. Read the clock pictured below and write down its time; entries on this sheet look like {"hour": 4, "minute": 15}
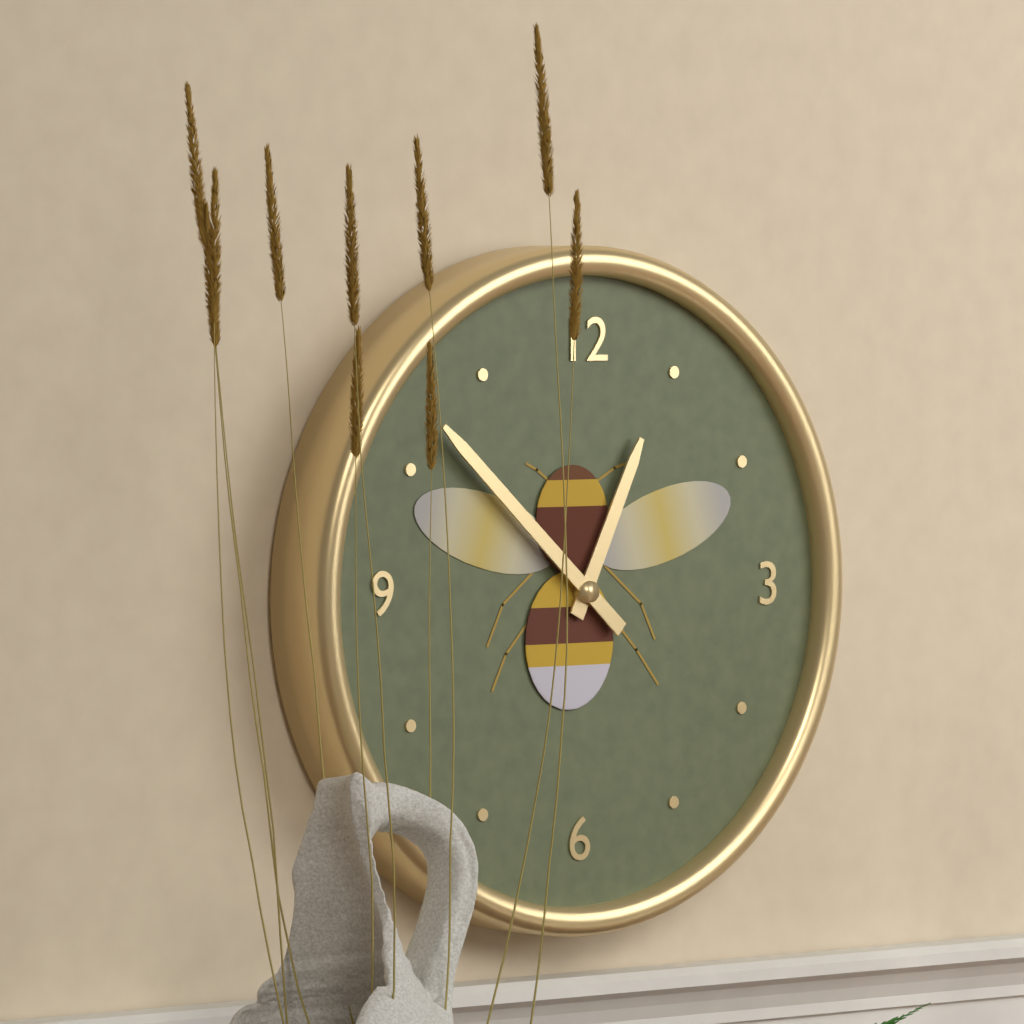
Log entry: {"hour": 12, "minute": 52}
